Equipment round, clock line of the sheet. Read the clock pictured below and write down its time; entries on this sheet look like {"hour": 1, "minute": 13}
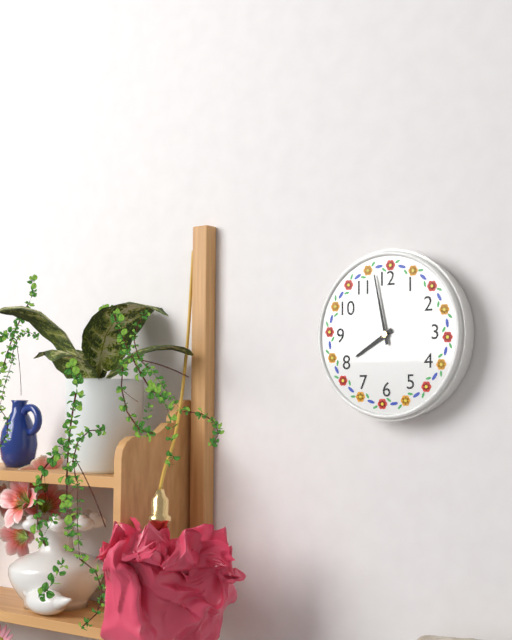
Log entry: {"hour": 7, "minute": 58}
